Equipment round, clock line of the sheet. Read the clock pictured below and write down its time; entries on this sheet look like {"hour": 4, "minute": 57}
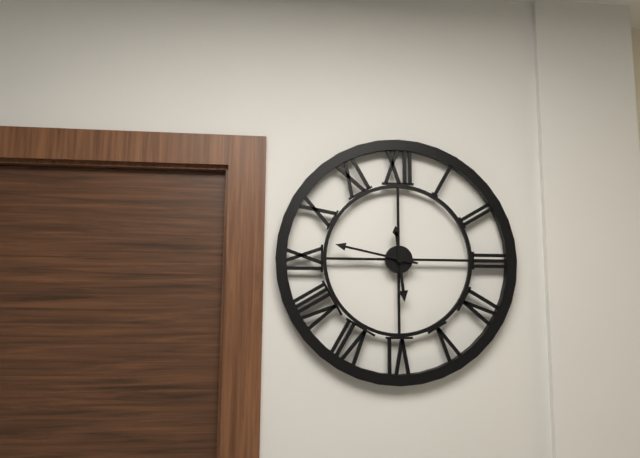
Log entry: {"hour": 5, "minute": 47}
